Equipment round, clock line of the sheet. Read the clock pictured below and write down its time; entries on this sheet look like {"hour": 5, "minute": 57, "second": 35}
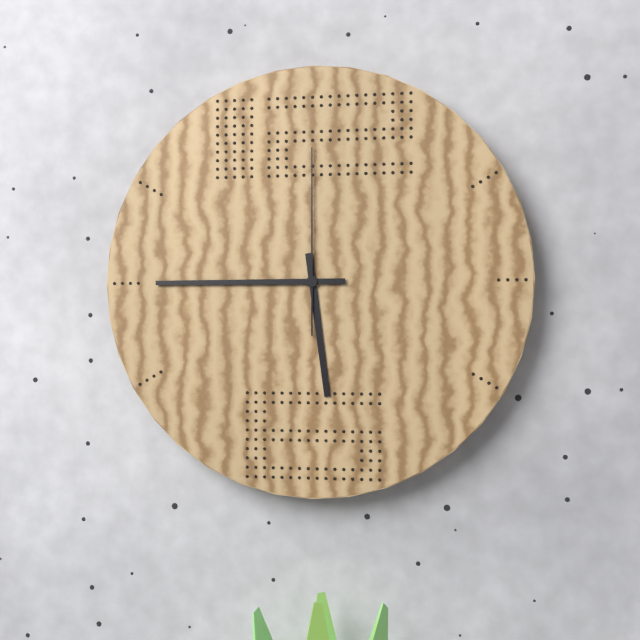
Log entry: {"hour": 5, "minute": 45, "second": 0}
